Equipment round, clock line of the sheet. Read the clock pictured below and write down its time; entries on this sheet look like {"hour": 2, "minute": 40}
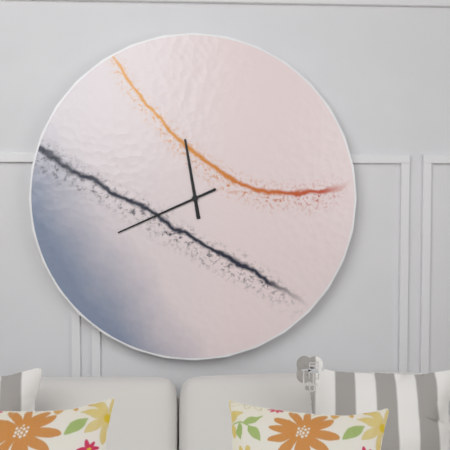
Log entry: {"hour": 11, "minute": 41}
